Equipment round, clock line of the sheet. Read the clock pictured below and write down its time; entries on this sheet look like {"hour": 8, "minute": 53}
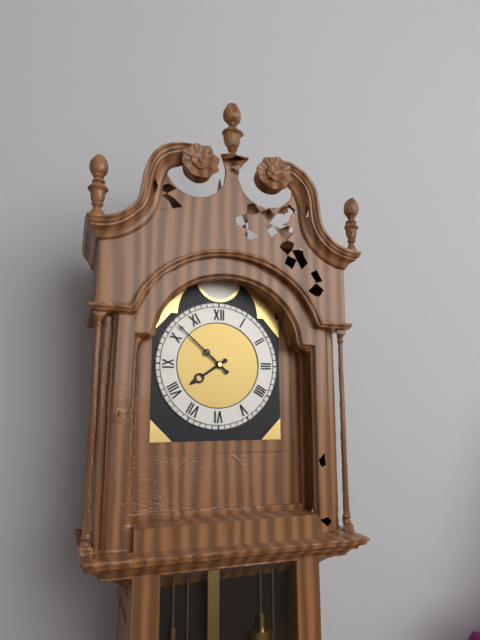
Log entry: {"hour": 7, "minute": 52}
